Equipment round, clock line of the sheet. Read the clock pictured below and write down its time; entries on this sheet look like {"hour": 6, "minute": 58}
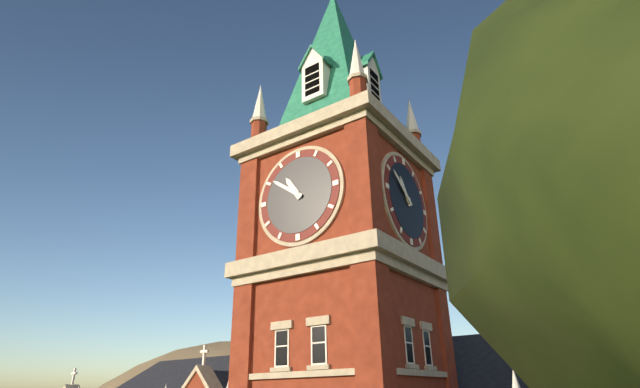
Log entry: {"hour": 10, "minute": 51}
